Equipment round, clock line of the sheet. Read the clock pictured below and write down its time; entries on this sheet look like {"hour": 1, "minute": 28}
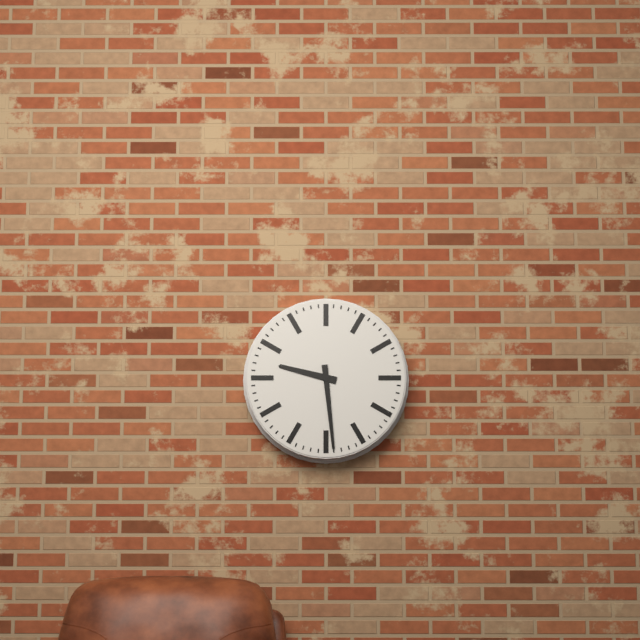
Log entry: {"hour": 9, "minute": 29}
